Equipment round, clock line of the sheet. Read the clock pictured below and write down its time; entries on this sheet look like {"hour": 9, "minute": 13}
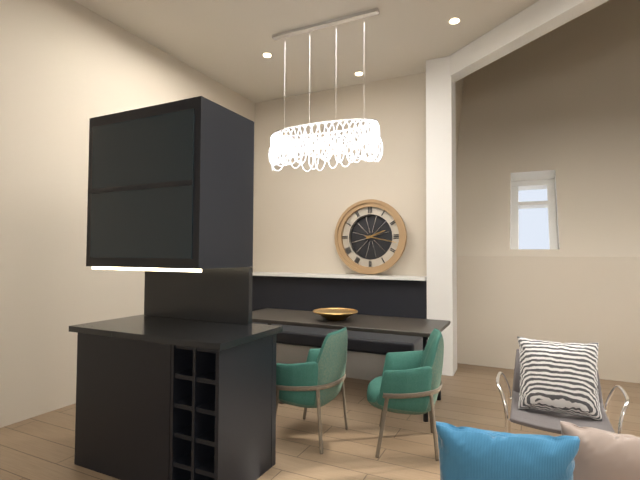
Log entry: {"hour": 2, "minute": 17}
